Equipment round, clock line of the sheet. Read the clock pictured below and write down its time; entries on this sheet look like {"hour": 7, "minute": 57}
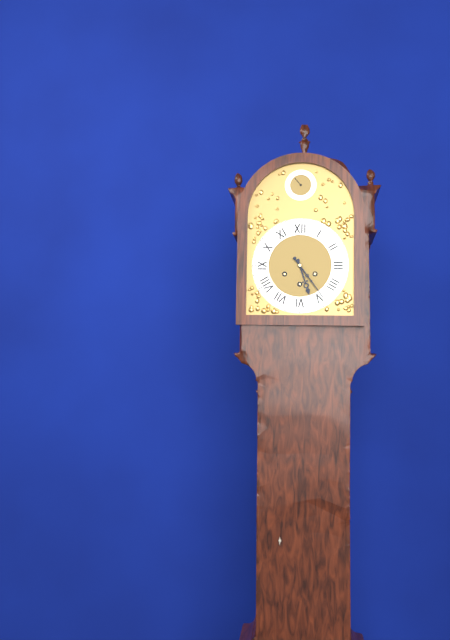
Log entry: {"hour": 5, "minute": 24}
